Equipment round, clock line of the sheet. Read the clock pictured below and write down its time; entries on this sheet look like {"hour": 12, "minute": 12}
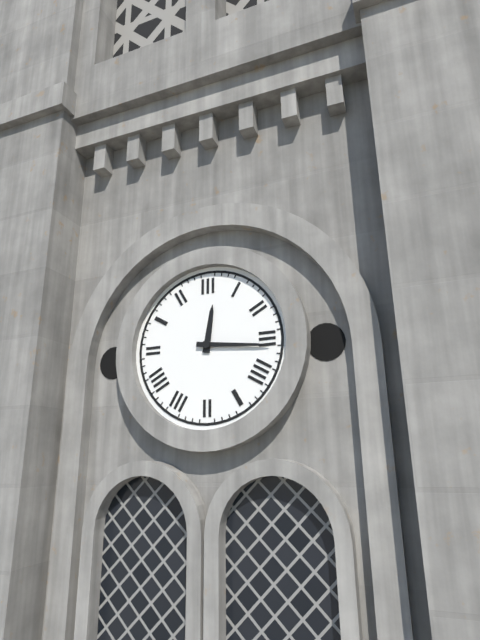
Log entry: {"hour": 12, "minute": 16}
